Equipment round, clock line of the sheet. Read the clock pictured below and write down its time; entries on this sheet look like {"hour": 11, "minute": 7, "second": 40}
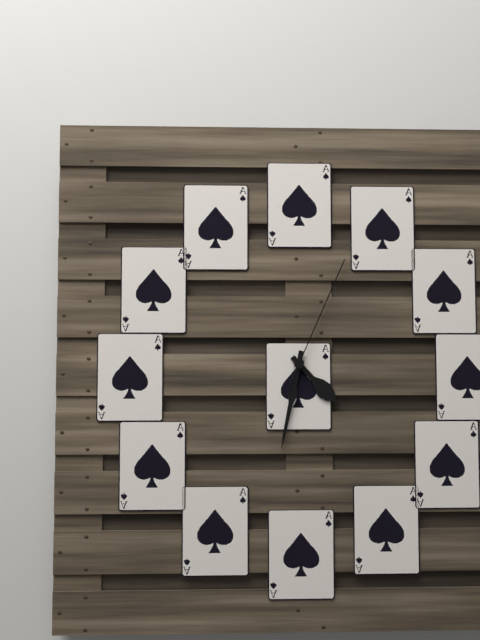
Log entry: {"hour": 4, "minute": 32, "second": 4}
